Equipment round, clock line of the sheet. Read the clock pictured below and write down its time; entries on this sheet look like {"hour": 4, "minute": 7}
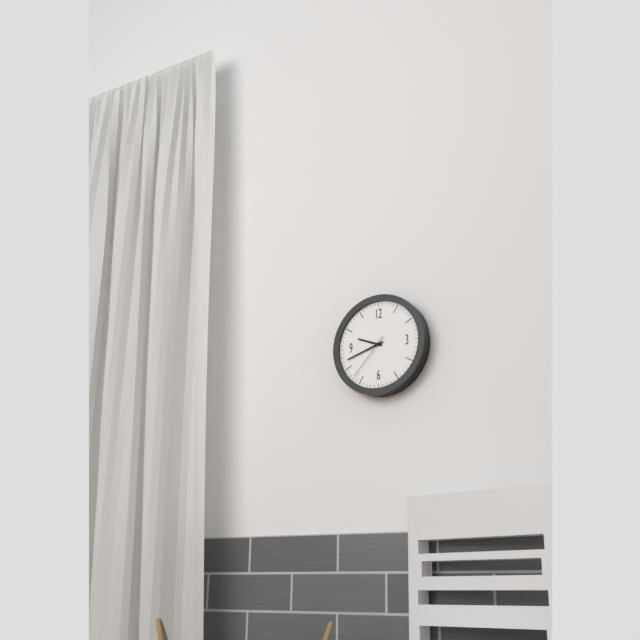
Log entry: {"hour": 9, "minute": 42}
